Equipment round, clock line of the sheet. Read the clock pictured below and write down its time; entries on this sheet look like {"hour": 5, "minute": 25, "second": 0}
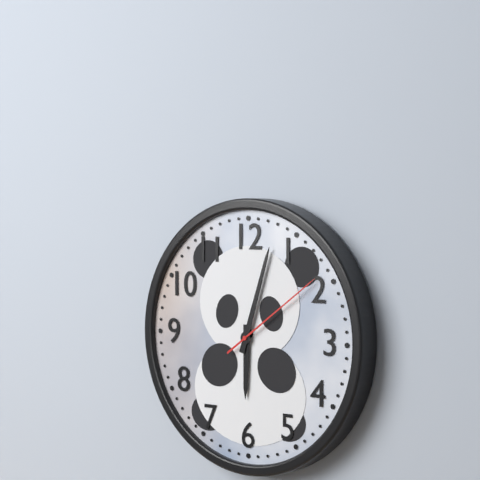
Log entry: {"hour": 6, "minute": 3, "second": 9}
